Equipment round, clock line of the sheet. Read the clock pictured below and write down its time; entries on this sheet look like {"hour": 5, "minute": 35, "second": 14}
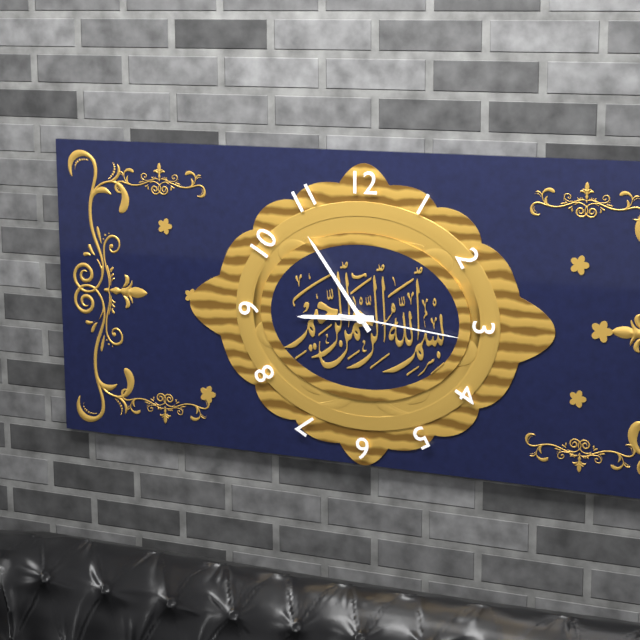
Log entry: {"hour": 8, "minute": 54, "second": 16}
